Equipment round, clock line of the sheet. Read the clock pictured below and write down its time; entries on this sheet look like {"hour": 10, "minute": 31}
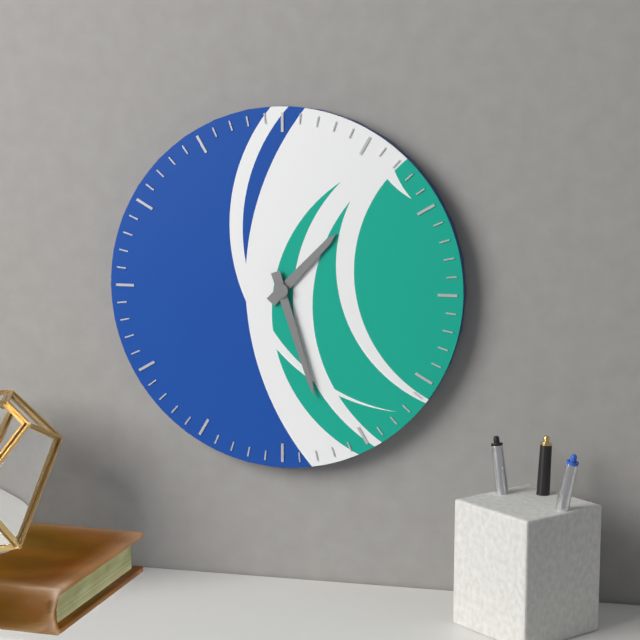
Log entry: {"hour": 1, "minute": 27}
